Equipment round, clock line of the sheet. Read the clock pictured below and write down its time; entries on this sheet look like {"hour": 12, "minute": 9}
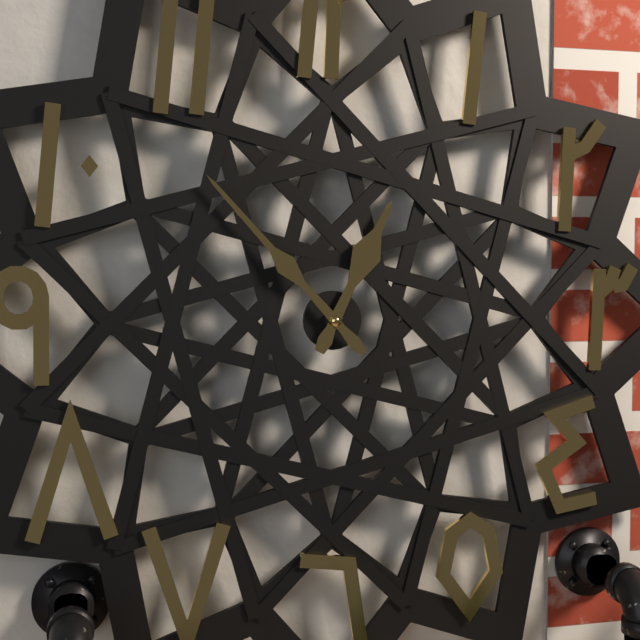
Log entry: {"hour": 12, "minute": 53}
